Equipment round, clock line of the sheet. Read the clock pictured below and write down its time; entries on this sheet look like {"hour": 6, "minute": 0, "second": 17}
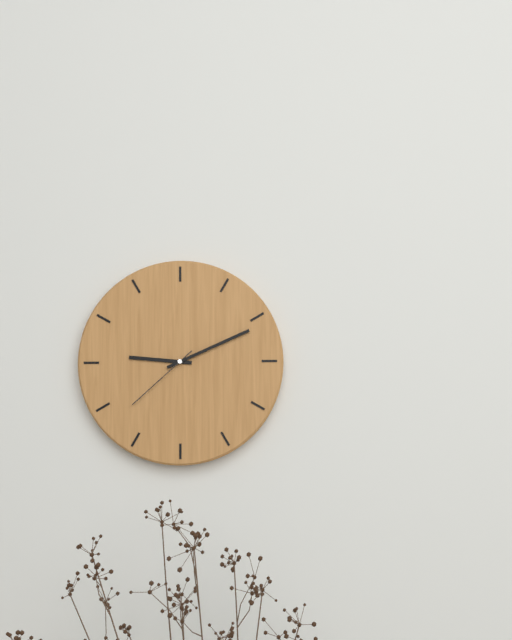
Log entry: {"hour": 9, "minute": 11, "second": 38}
